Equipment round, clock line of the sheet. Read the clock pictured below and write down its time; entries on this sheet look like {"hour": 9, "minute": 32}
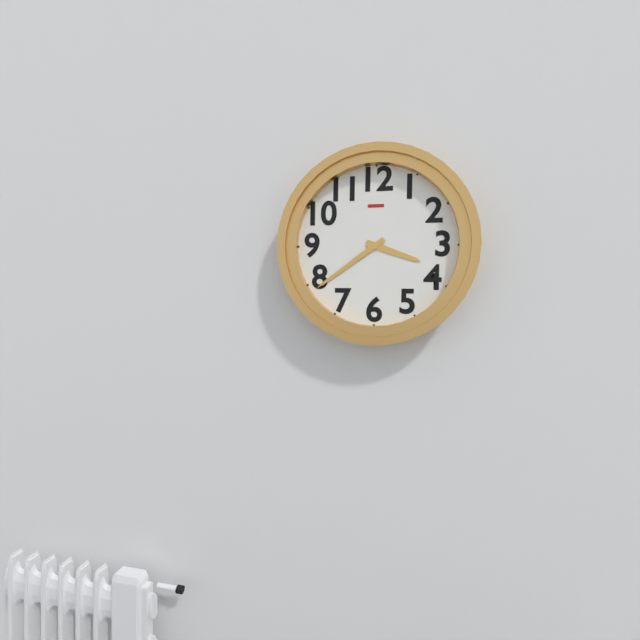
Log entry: {"hour": 3, "minute": 39}
